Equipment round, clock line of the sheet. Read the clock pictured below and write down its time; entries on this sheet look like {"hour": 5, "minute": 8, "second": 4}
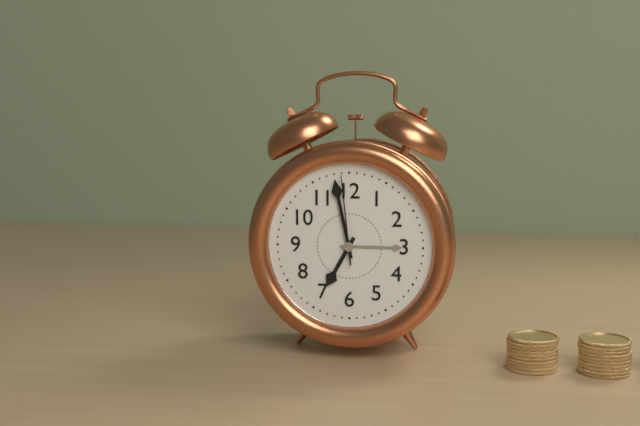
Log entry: {"hour": 6, "minute": 58, "second": 59}
